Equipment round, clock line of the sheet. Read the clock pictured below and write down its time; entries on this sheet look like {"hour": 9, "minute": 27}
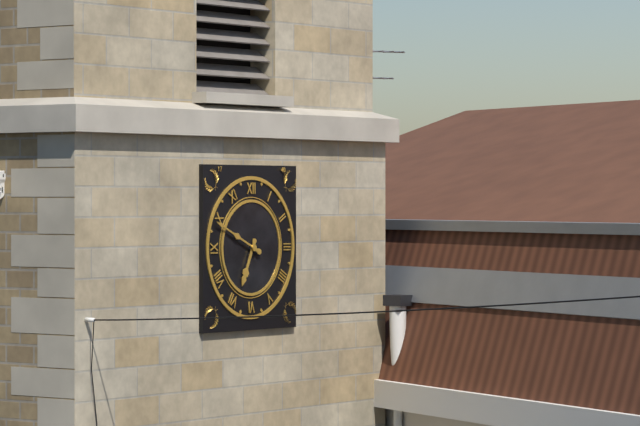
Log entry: {"hour": 6, "minute": 49}
